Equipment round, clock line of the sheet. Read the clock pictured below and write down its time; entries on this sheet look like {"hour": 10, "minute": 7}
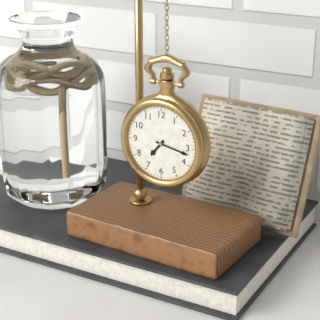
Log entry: {"hour": 7, "minute": 17}
